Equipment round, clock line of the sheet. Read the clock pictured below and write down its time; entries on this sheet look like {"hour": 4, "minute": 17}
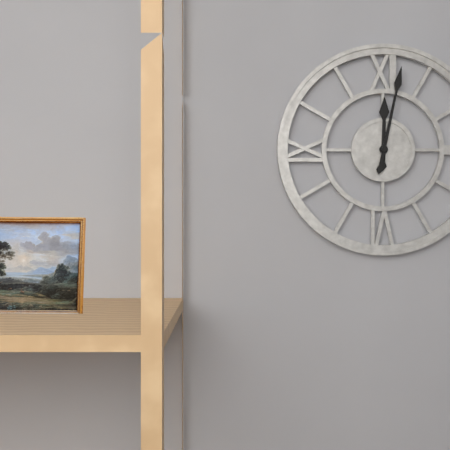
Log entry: {"hour": 12, "minute": 2}
